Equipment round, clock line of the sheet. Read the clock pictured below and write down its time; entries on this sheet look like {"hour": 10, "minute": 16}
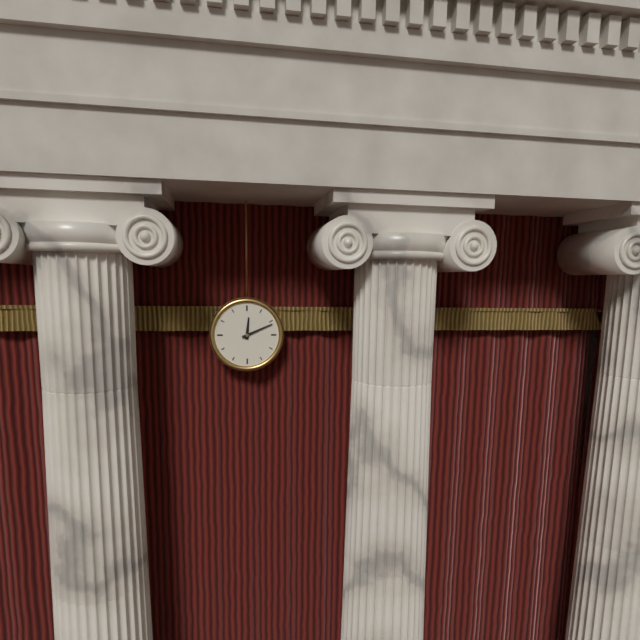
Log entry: {"hour": 12, "minute": 11}
